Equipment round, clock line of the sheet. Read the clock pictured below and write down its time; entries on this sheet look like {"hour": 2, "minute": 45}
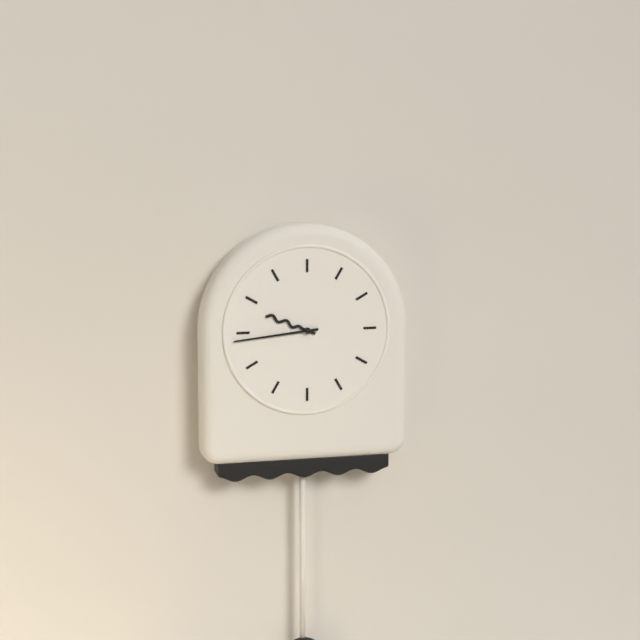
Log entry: {"hour": 9, "minute": 44}
